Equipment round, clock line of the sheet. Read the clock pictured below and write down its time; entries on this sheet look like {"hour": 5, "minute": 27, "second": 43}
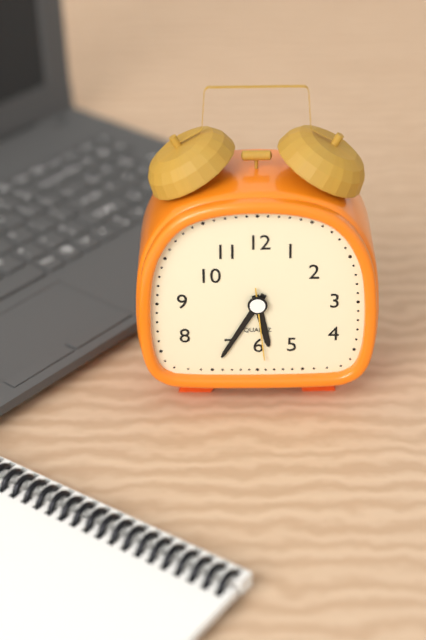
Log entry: {"hour": 5, "minute": 35, "second": 29}
